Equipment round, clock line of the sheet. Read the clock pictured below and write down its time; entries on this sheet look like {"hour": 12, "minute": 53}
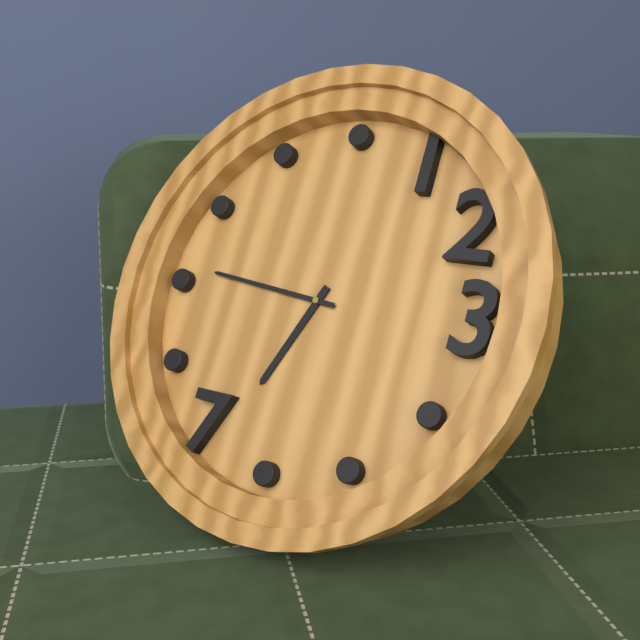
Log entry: {"hour": 6, "minute": 46}
